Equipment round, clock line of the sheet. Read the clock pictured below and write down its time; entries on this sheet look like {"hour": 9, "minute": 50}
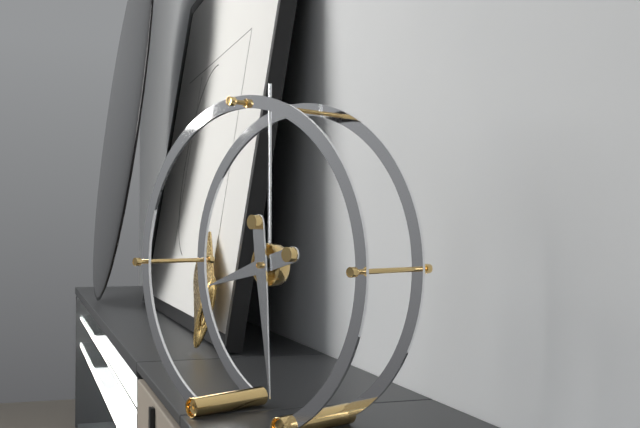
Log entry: {"hour": 8, "minute": 29}
